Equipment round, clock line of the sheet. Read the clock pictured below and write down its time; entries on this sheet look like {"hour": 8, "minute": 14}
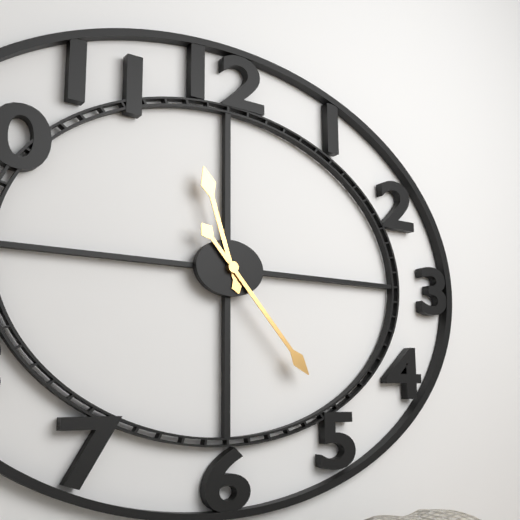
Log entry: {"hour": 11, "minute": 23}
